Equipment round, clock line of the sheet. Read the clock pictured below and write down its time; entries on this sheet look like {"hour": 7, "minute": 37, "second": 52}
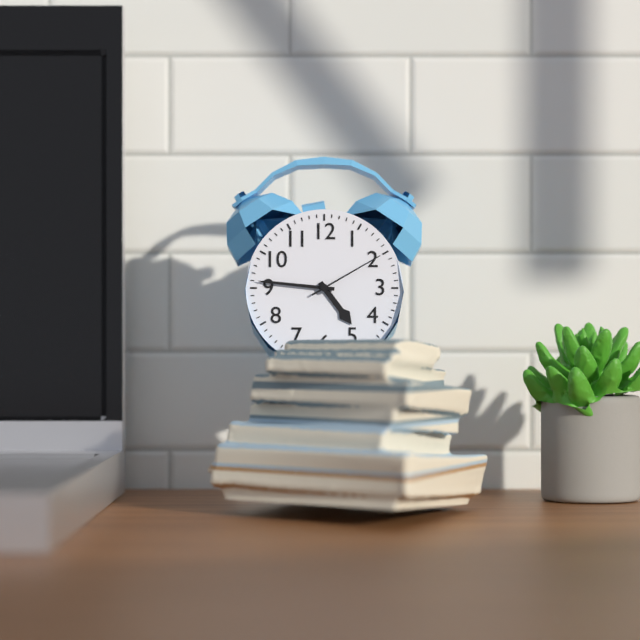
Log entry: {"hour": 4, "minute": 46, "second": 10}
